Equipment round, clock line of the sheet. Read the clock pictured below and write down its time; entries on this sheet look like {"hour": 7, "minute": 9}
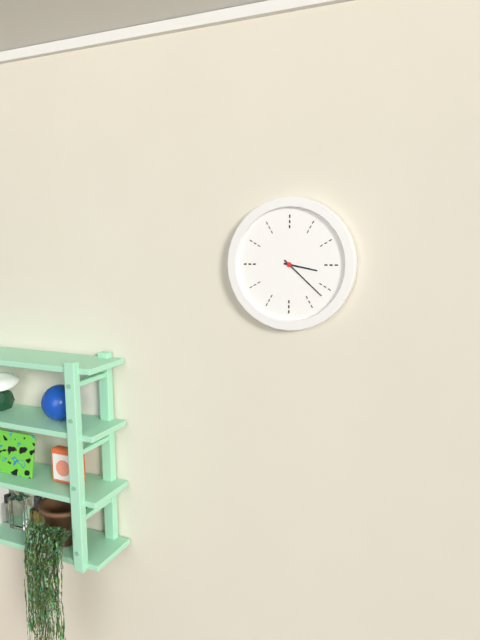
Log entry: {"hour": 3, "minute": 22}
